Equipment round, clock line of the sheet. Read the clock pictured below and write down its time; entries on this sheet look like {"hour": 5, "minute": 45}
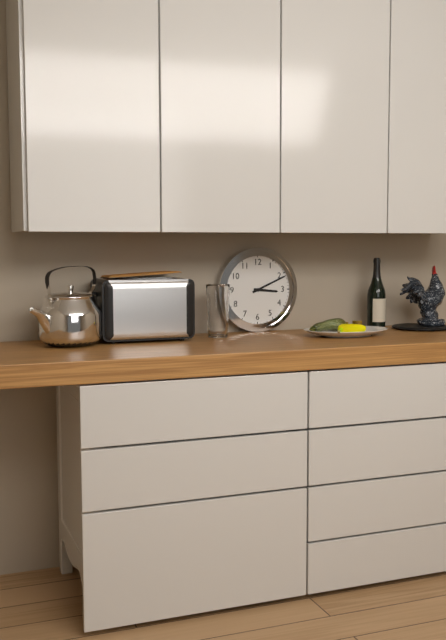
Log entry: {"hour": 3, "minute": 11}
